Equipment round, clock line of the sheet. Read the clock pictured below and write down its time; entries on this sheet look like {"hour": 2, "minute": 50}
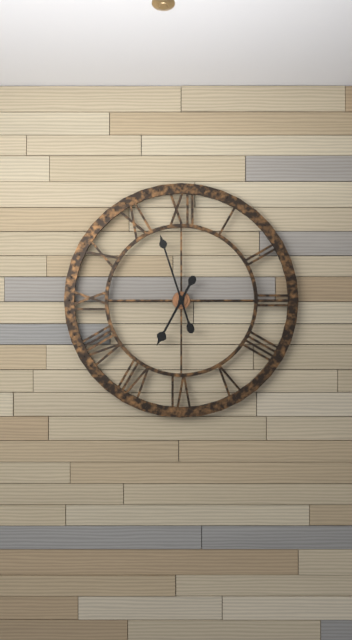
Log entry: {"hour": 6, "minute": 57}
